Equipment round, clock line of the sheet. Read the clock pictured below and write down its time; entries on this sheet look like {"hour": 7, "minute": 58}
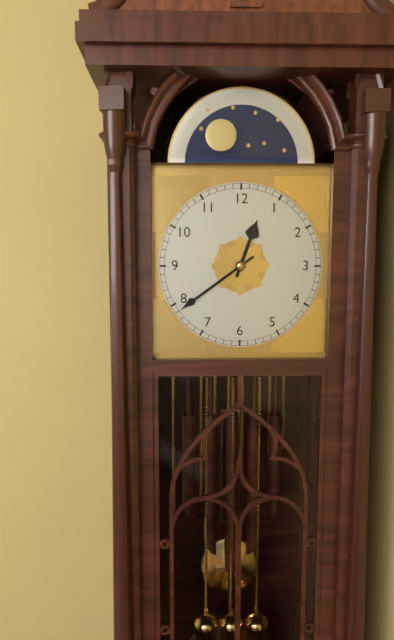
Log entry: {"hour": 12, "minute": 39}
